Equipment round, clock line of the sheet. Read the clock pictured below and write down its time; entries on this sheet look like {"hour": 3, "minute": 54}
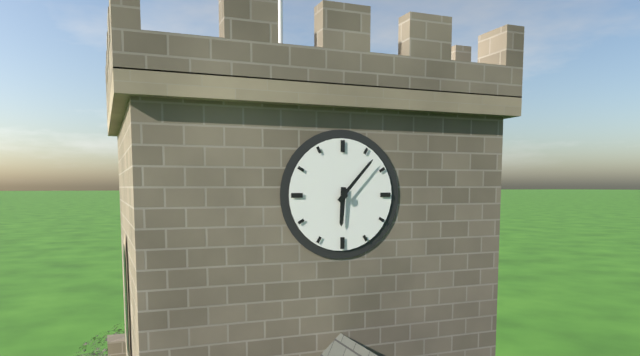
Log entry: {"hour": 6, "minute": 7}
